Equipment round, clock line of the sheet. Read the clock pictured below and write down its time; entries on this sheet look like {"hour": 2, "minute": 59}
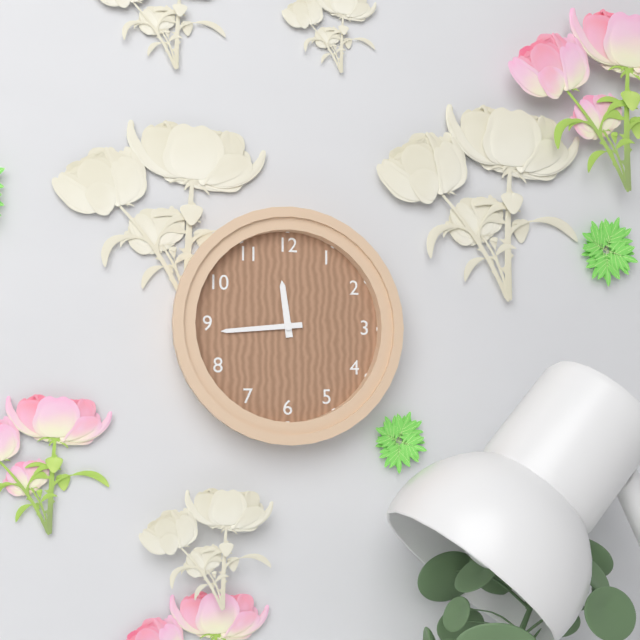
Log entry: {"hour": 11, "minute": 44}
